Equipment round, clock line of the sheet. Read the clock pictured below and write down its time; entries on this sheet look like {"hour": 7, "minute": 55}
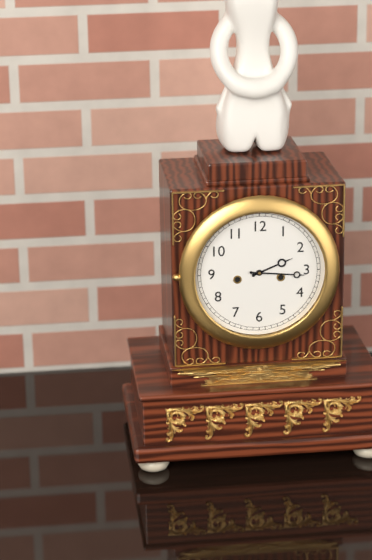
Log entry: {"hour": 2, "minute": 16}
